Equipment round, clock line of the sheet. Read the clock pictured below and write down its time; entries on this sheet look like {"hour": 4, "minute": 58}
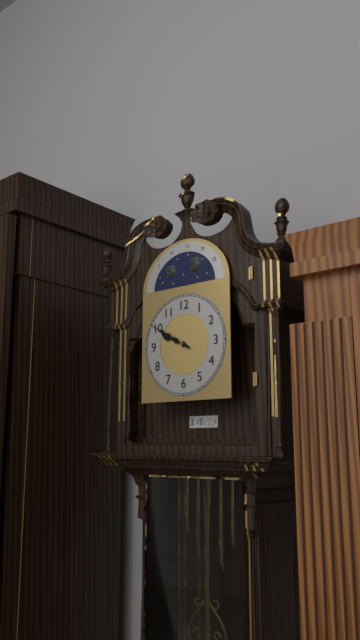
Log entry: {"hour": 9, "minute": 50}
